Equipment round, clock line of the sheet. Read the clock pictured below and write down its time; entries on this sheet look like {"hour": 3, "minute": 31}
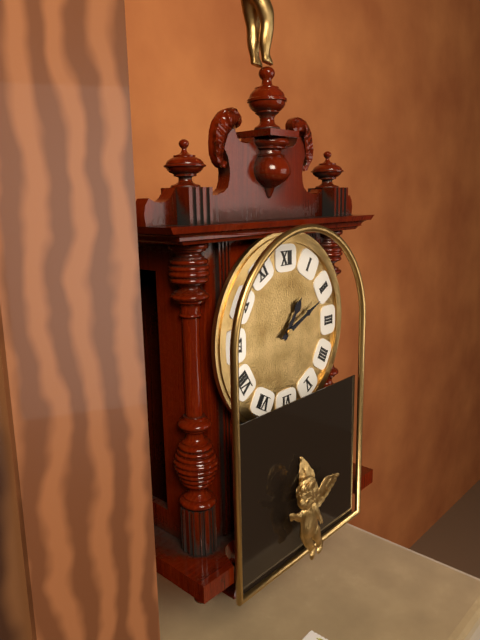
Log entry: {"hour": 1, "minute": 11}
